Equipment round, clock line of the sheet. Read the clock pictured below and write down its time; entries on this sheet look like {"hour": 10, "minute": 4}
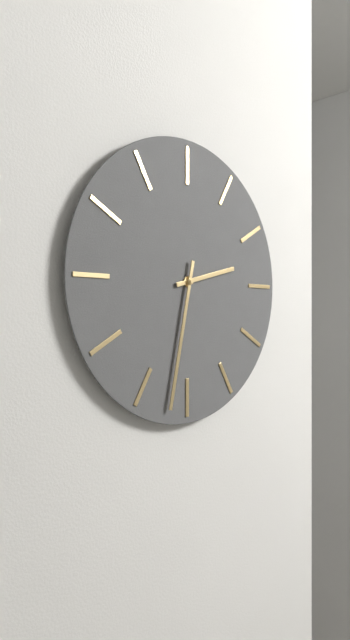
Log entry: {"hour": 2, "minute": 32}
